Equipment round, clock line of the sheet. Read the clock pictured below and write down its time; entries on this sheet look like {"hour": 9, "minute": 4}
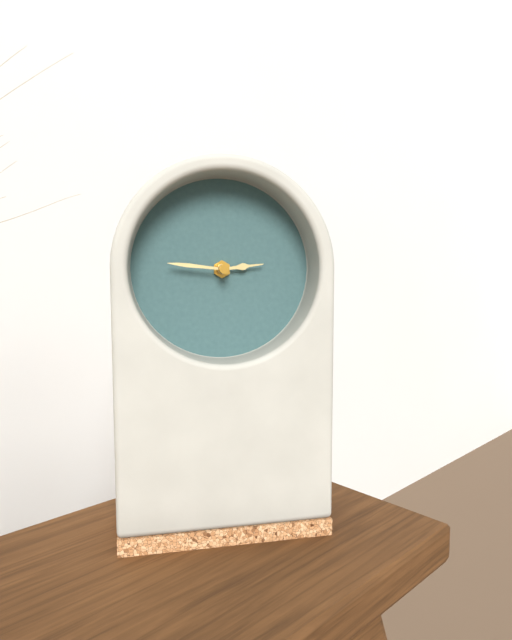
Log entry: {"hour": 2, "minute": 46}
